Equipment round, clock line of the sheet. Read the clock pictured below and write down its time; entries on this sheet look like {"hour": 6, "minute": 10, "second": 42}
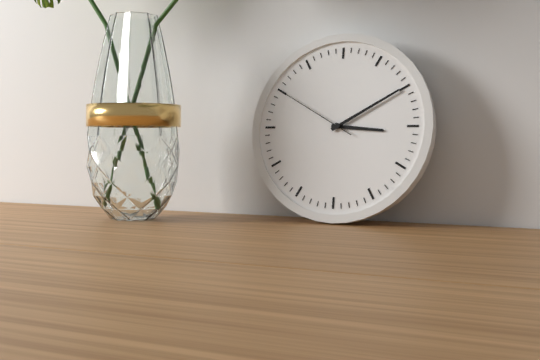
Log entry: {"hour": 3, "minute": 10, "second": 50}
